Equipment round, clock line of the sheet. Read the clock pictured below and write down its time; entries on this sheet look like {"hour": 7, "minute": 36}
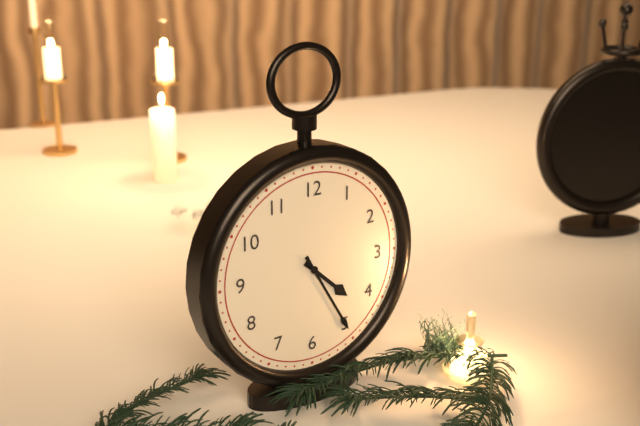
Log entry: {"hour": 4, "minute": 25}
